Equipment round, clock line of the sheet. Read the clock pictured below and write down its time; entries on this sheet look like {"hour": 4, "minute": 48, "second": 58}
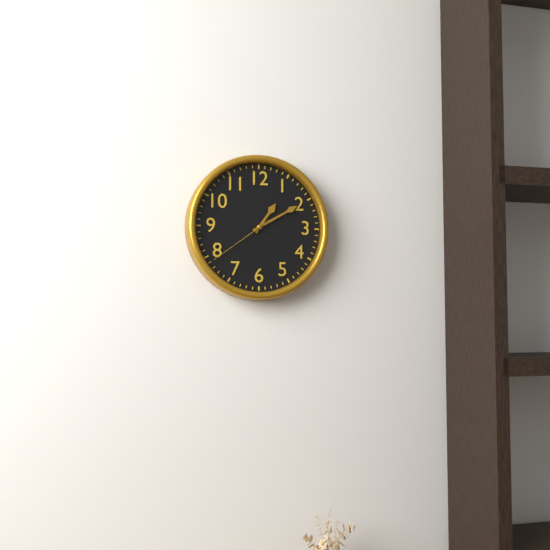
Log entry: {"hour": 1, "minute": 10, "second": 39}
